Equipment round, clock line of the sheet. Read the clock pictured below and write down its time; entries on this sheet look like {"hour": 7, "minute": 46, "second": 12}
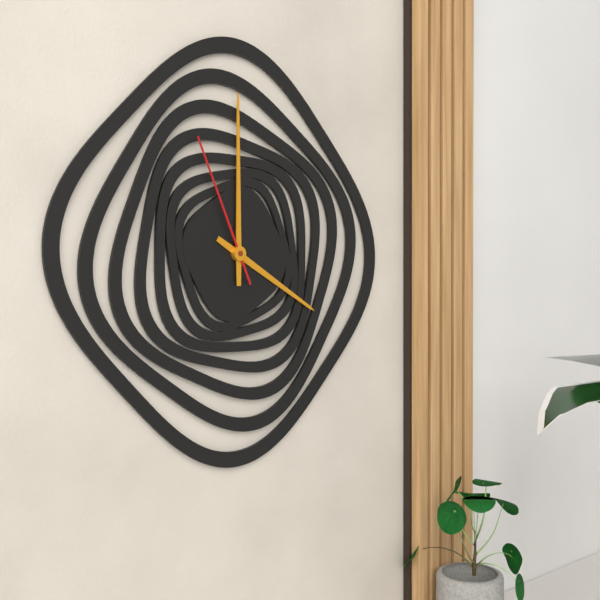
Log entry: {"hour": 4, "minute": 0, "second": 56}
